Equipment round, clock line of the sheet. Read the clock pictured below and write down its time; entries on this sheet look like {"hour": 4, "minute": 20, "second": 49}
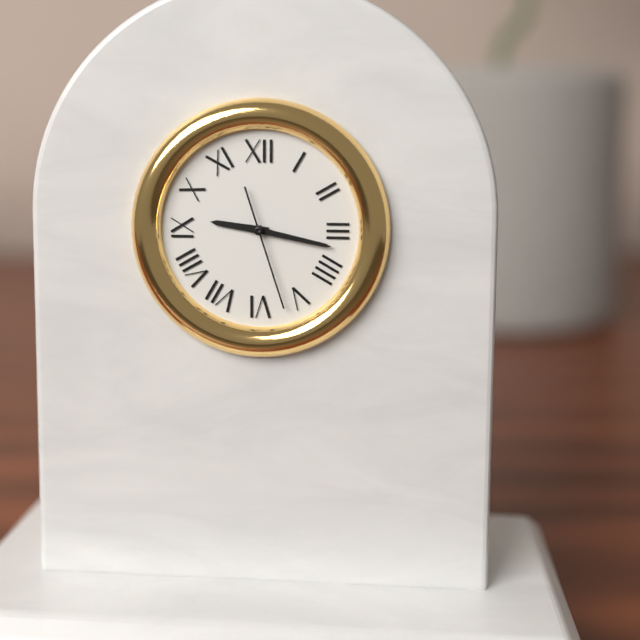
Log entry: {"hour": 9, "minute": 17, "second": 27}
